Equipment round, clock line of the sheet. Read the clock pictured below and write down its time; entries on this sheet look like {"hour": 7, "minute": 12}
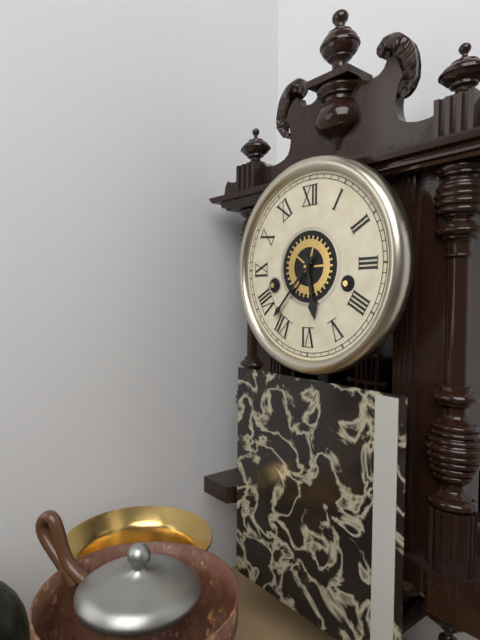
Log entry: {"hour": 5, "minute": 37}
